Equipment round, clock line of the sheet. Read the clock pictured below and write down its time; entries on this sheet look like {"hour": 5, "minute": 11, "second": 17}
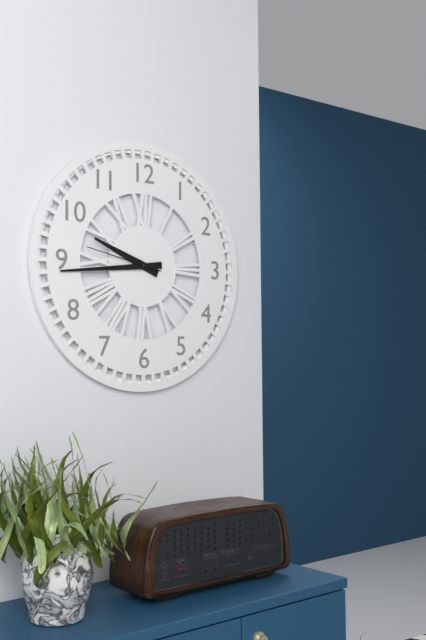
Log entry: {"hour": 9, "minute": 44, "second": 47}
